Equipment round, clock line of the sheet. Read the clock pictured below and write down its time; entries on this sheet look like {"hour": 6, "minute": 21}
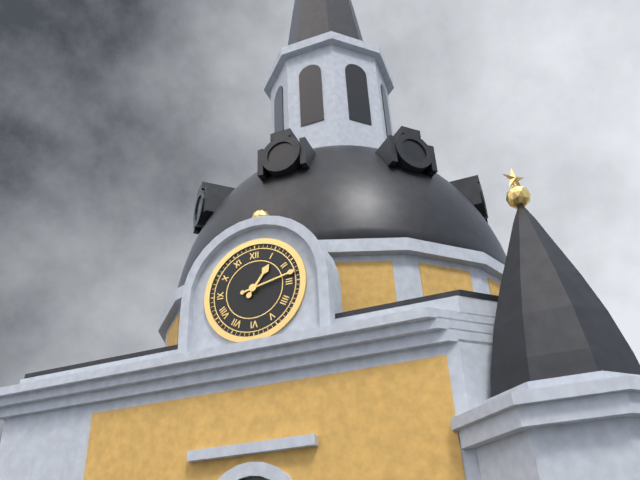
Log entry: {"hour": 1, "minute": 13}
